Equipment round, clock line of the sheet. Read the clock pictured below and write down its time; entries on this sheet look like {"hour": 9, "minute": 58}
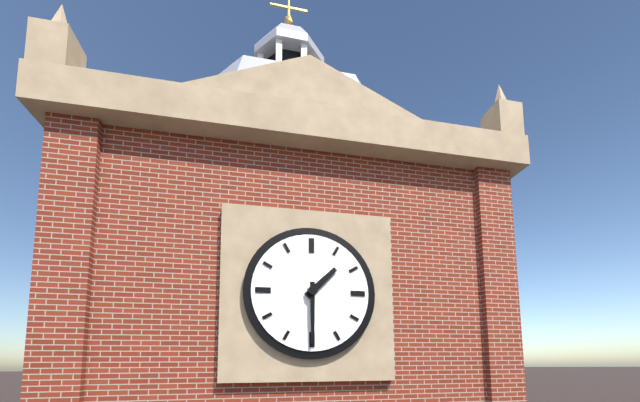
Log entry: {"hour": 1, "minute": 30}
